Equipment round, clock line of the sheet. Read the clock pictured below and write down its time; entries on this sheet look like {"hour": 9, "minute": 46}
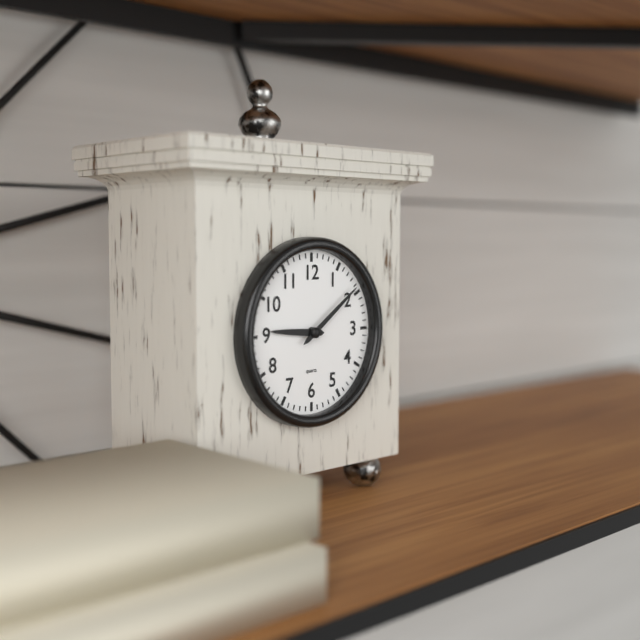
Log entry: {"hour": 9, "minute": 9}
